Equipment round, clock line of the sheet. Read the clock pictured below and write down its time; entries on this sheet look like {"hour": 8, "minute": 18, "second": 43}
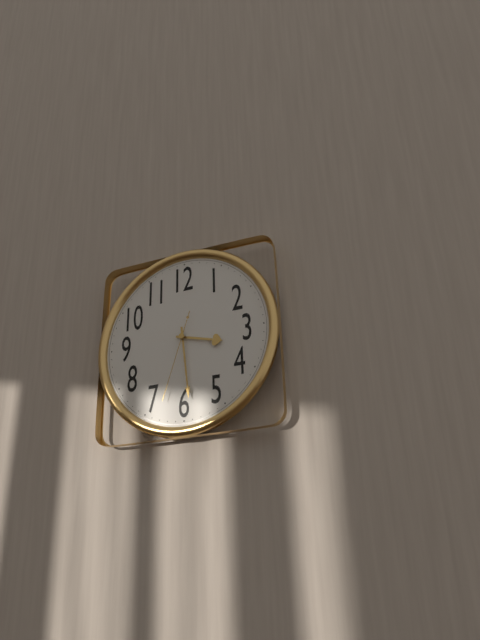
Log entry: {"hour": 3, "minute": 29, "second": 33}
